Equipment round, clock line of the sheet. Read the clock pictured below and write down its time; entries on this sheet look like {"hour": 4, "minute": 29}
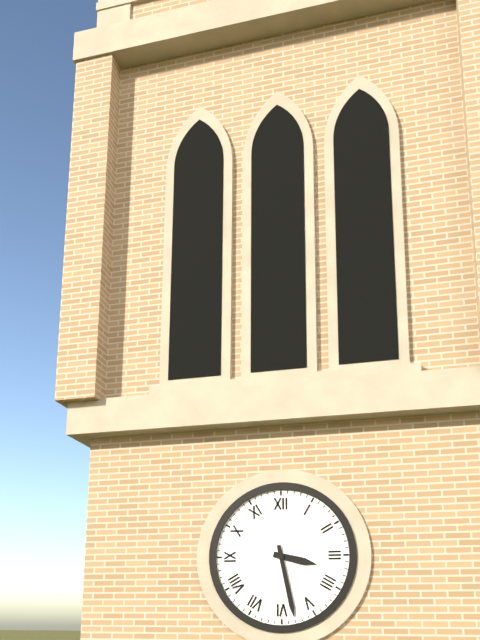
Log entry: {"hour": 3, "minute": 28}
